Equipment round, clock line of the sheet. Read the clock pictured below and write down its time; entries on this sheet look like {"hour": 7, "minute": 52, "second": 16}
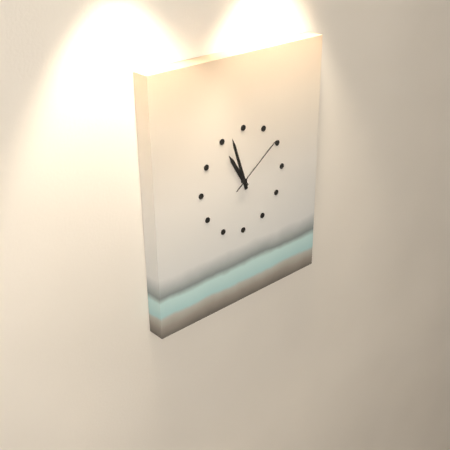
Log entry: {"hour": 10, "minute": 57, "second": 9}
